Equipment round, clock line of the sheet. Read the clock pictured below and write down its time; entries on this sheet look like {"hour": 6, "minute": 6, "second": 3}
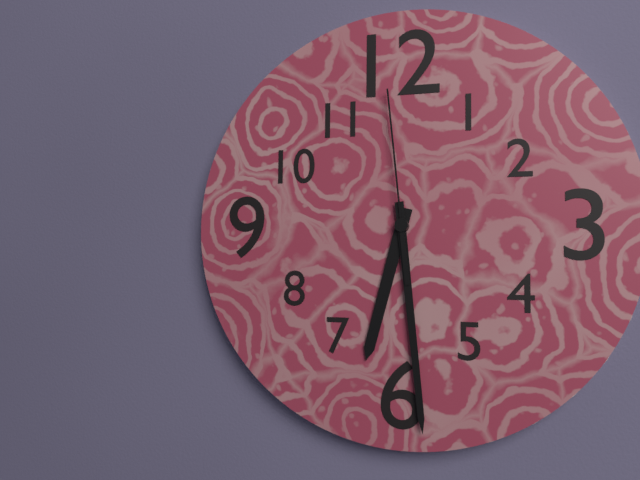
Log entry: {"hour": 6, "minute": 29, "second": 59}
